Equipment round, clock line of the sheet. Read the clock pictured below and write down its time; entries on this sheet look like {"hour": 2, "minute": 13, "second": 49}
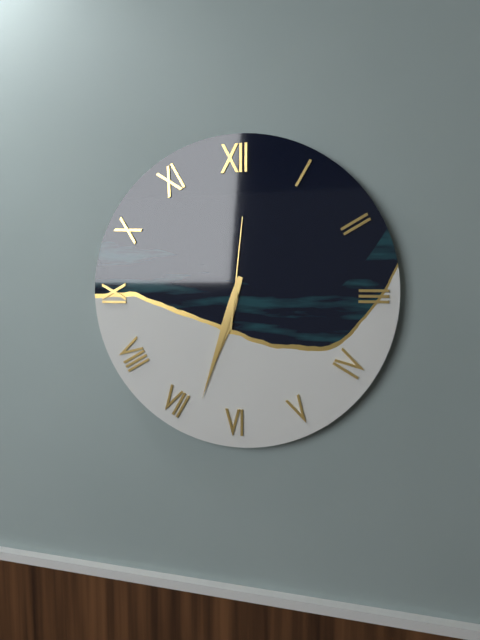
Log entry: {"hour": 6, "minute": 33, "second": 1}
